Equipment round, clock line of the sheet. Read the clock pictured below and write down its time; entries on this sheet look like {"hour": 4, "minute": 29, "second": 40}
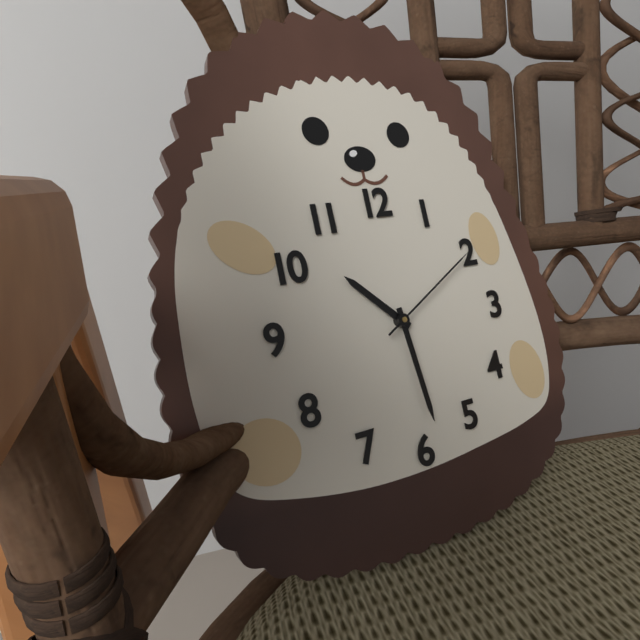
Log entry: {"hour": 10, "minute": 29, "second": 10}
